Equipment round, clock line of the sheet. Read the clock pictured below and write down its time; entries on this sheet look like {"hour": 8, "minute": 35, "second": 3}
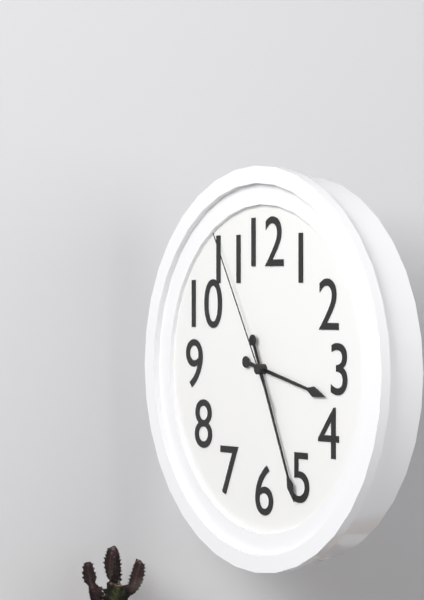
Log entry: {"hour": 3, "minute": 26, "second": 55}
